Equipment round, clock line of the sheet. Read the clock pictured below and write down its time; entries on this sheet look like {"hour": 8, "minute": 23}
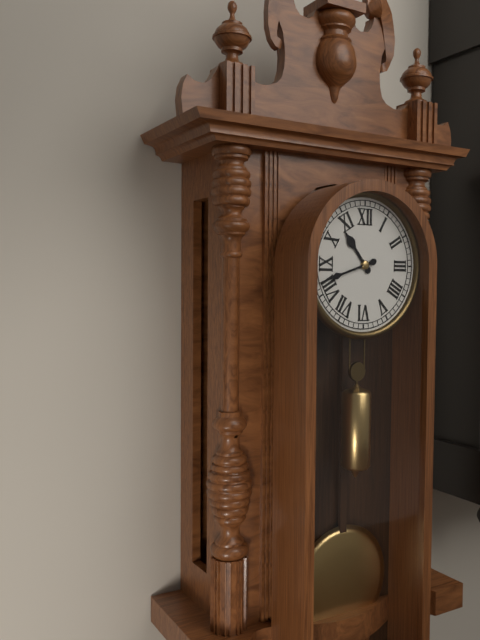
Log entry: {"hour": 10, "minute": 42}
